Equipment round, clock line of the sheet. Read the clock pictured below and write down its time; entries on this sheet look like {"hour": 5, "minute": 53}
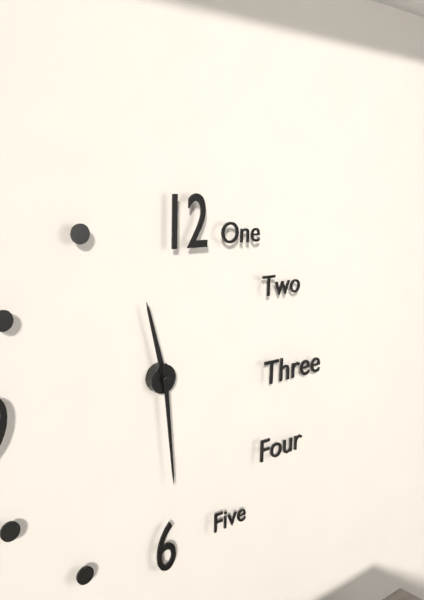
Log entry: {"hour": 11, "minute": 29}
